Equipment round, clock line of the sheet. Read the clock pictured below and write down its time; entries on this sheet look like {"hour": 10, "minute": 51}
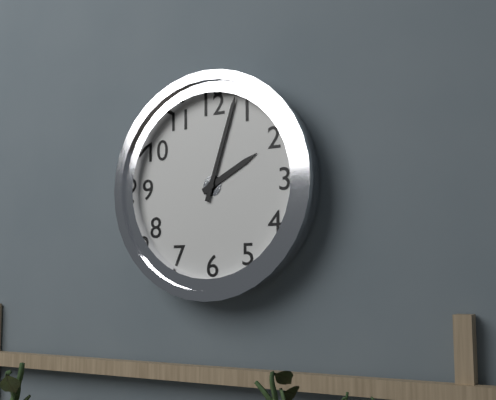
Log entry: {"hour": 2, "minute": 3}
